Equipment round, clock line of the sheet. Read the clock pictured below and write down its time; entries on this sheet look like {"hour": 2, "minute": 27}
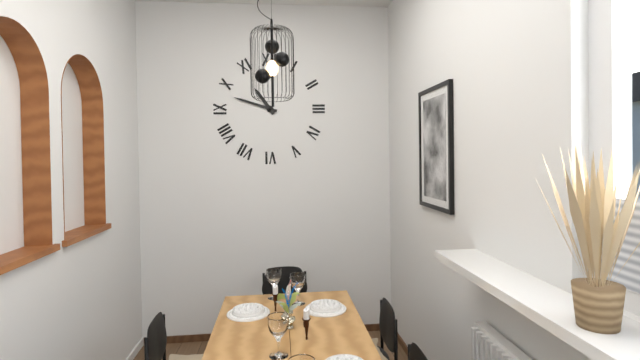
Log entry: {"hour": 10, "minute": 48}
